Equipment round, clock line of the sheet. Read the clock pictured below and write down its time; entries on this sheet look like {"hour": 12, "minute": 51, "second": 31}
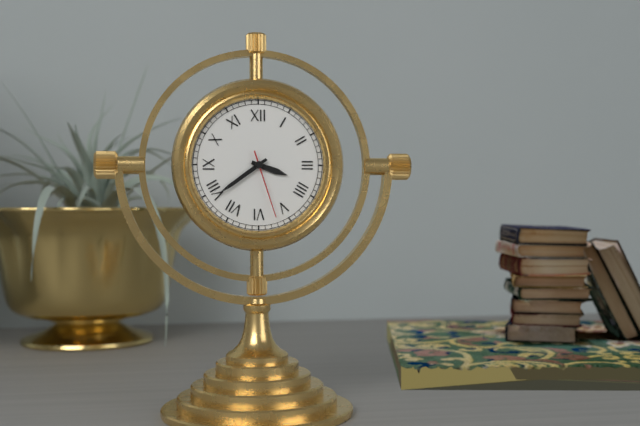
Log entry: {"hour": 3, "minute": 39, "second": 27}
